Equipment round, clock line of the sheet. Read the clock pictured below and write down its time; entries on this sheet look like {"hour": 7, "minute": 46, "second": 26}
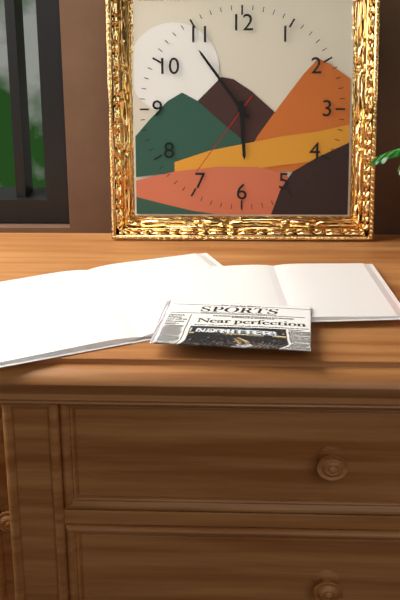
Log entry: {"hour": 5, "minute": 54, "second": 36}
